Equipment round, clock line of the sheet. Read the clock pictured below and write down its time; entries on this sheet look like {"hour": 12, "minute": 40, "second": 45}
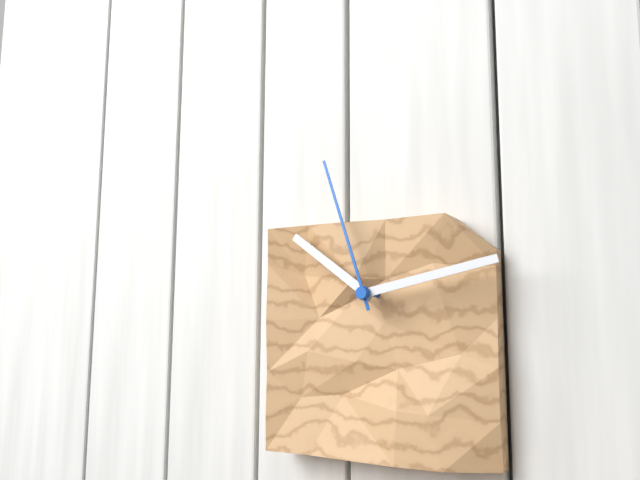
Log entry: {"hour": 10, "minute": 13, "second": 57}
